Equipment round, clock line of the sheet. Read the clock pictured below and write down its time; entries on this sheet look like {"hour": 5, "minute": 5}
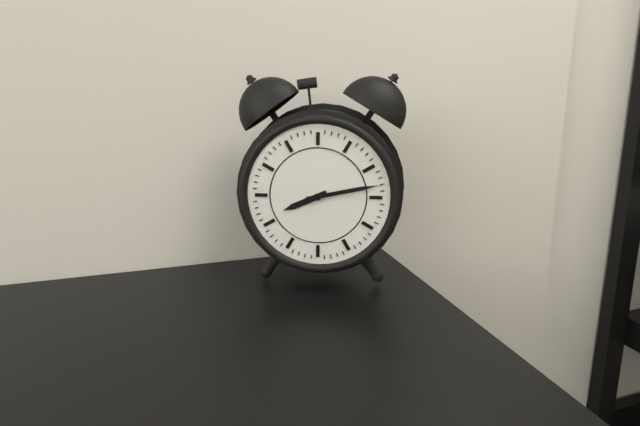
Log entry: {"hour": 8, "minute": 13}
